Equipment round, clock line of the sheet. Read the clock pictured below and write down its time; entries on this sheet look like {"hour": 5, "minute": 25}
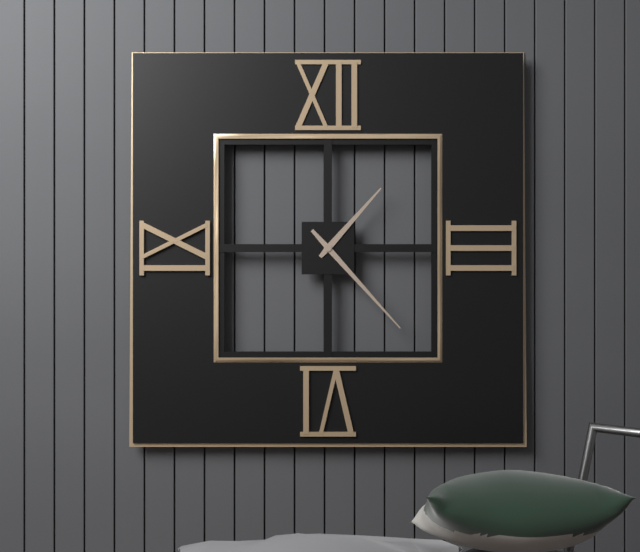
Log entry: {"hour": 1, "minute": 23}
